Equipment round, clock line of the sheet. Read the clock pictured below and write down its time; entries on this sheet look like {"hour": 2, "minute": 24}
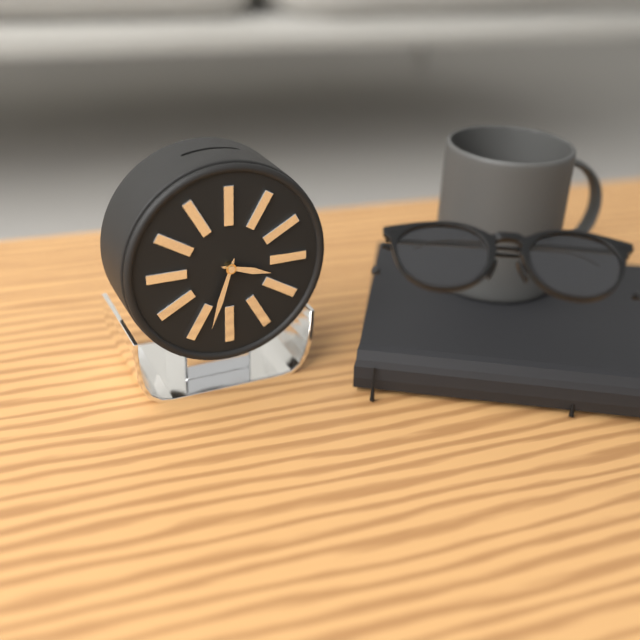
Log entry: {"hour": 3, "minute": 33}
